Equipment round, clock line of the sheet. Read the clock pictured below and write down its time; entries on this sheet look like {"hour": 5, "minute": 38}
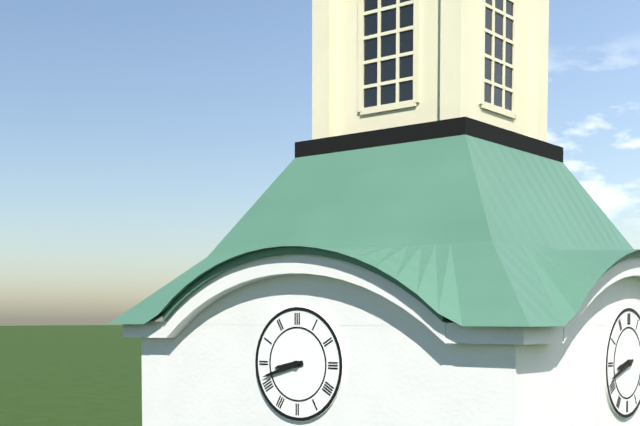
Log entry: {"hour": 8, "minute": 42}
